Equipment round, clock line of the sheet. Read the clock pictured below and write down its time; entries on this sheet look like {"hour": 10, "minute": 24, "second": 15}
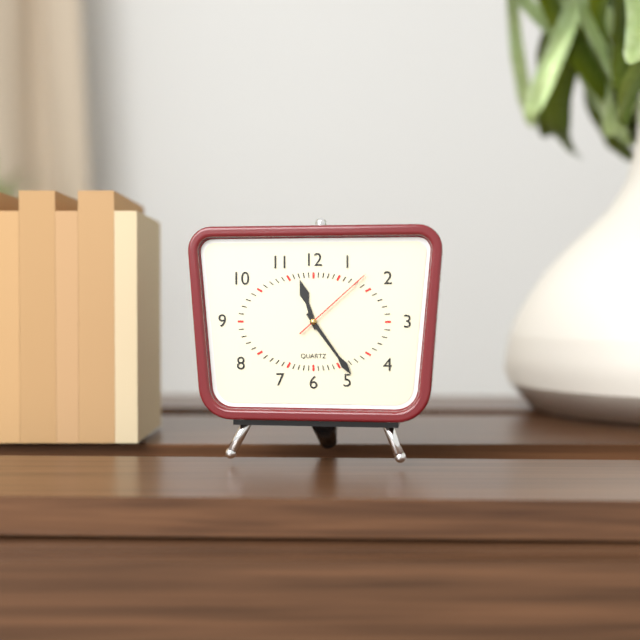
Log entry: {"hour": 11, "minute": 24, "second": 8}
